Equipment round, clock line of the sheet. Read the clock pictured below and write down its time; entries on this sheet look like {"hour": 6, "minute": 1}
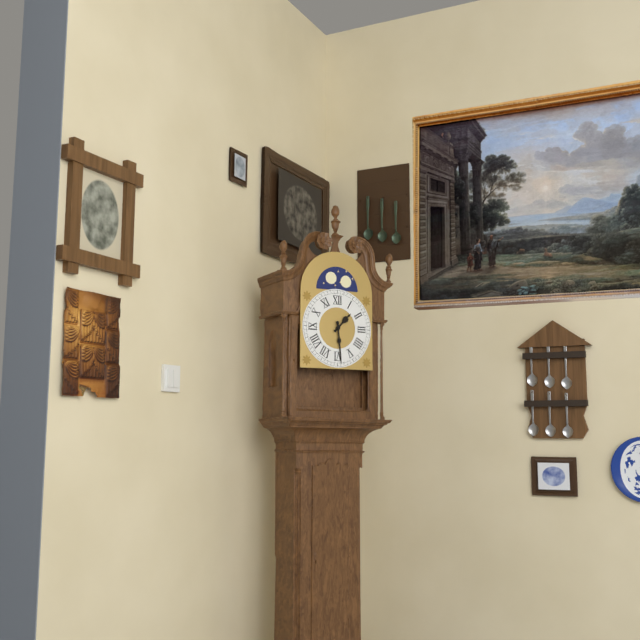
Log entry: {"hour": 1, "minute": 29}
